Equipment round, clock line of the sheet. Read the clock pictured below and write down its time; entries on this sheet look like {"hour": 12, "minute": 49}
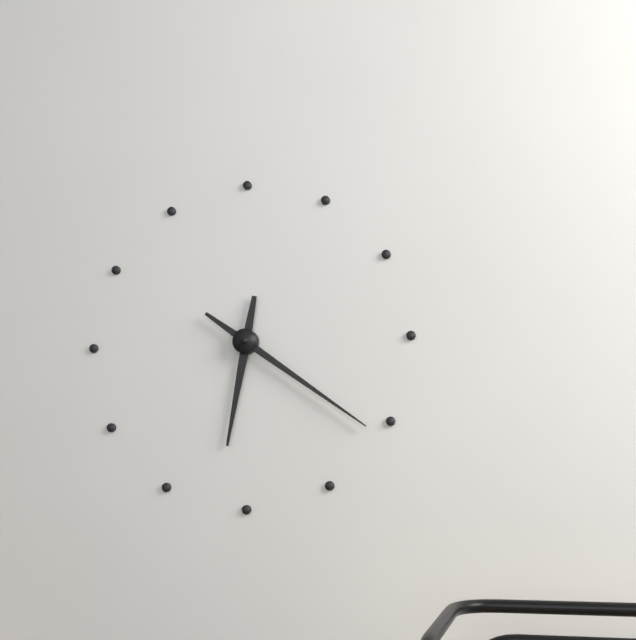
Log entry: {"hour": 6, "minute": 21}
